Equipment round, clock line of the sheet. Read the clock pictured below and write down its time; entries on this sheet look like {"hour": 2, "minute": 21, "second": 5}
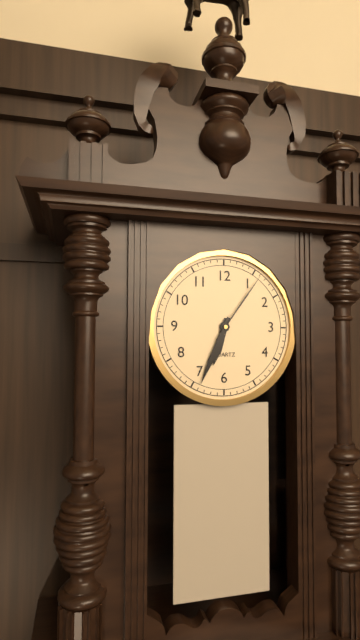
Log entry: {"hour": 6, "minute": 34, "second": 6}
